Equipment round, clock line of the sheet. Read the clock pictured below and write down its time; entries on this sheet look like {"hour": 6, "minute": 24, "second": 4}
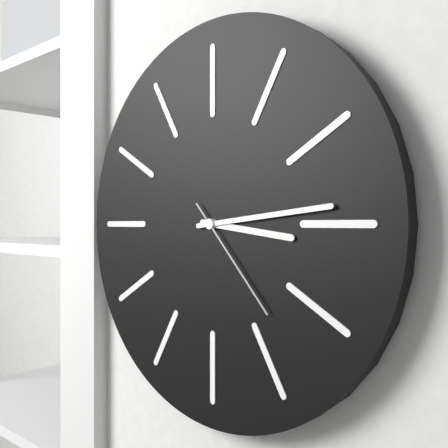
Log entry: {"hour": 3, "minute": 14, "second": 23}
